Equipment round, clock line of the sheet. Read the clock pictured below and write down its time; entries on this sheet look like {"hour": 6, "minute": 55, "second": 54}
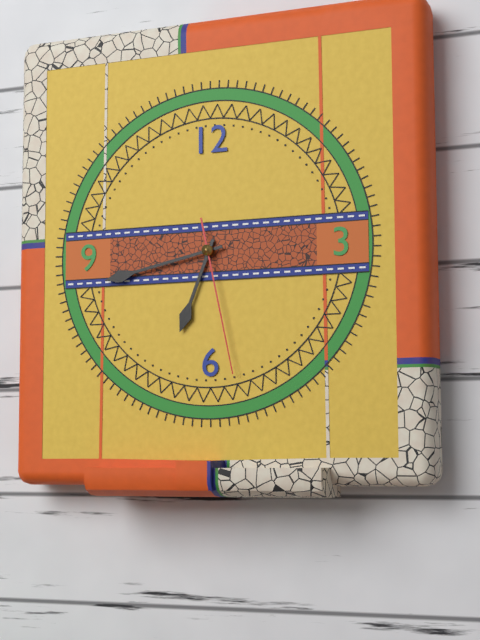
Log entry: {"hour": 6, "minute": 43, "second": 28}
